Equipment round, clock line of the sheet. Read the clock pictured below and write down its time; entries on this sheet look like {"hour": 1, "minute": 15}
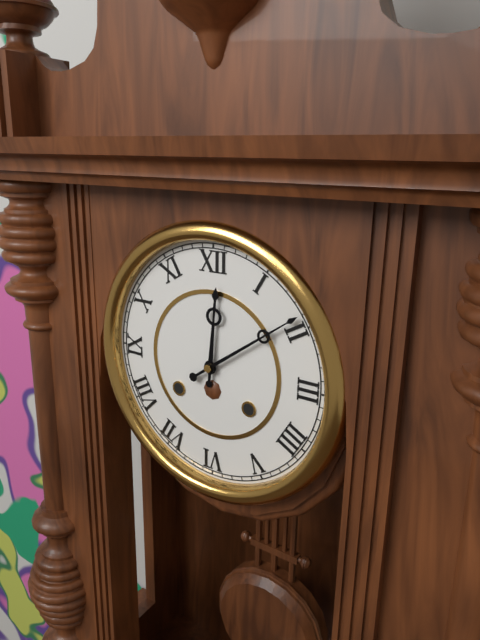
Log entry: {"hour": 12, "minute": 9}
